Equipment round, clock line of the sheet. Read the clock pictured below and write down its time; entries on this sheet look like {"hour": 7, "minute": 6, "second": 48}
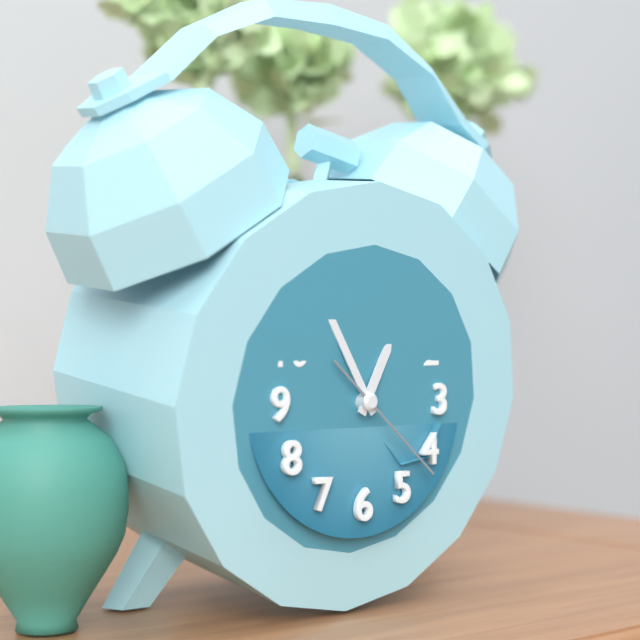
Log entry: {"hour": 12, "minute": 55, "second": 22}
